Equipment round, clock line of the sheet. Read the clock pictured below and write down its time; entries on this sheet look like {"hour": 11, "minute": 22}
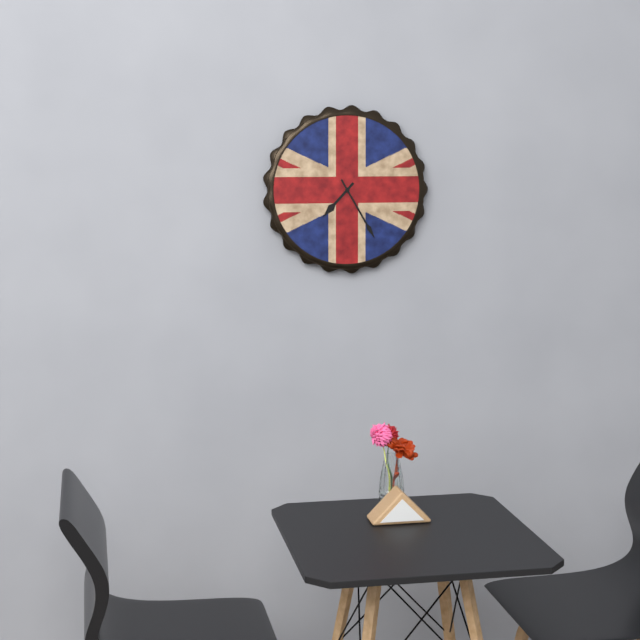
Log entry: {"hour": 7, "minute": 25}
